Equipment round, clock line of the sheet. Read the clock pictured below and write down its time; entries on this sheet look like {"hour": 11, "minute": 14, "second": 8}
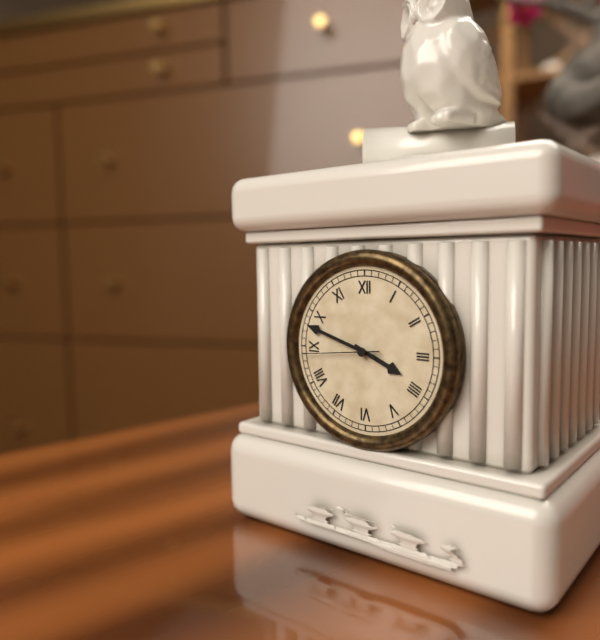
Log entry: {"hour": 3, "minute": 48, "second": 44}
